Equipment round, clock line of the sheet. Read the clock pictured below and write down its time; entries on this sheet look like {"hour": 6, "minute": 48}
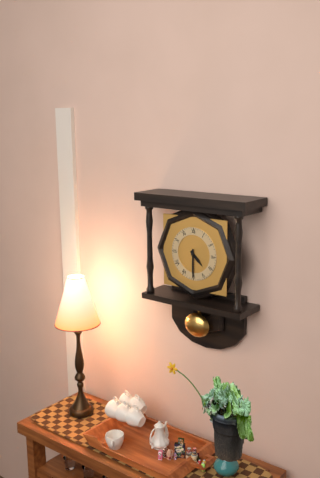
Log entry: {"hour": 4, "minute": 30}
